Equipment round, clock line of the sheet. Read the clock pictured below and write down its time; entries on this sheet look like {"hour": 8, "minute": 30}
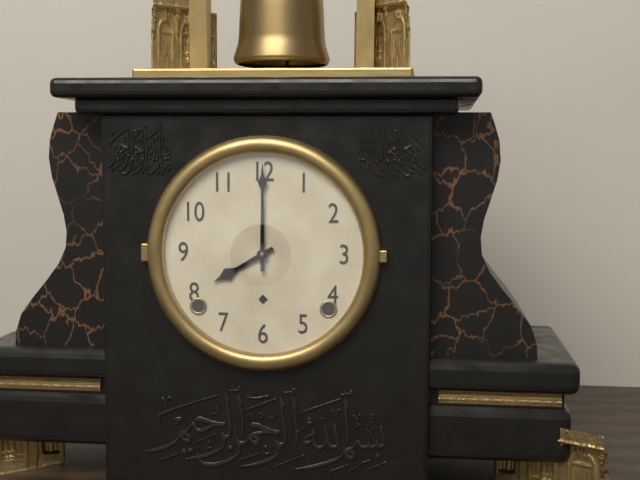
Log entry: {"hour": 8, "minute": 0}
